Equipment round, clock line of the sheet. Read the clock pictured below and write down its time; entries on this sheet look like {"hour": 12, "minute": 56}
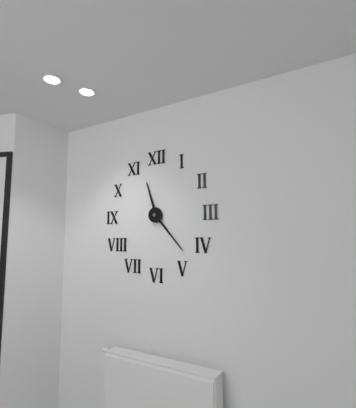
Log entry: {"hour": 11, "minute": 23}
